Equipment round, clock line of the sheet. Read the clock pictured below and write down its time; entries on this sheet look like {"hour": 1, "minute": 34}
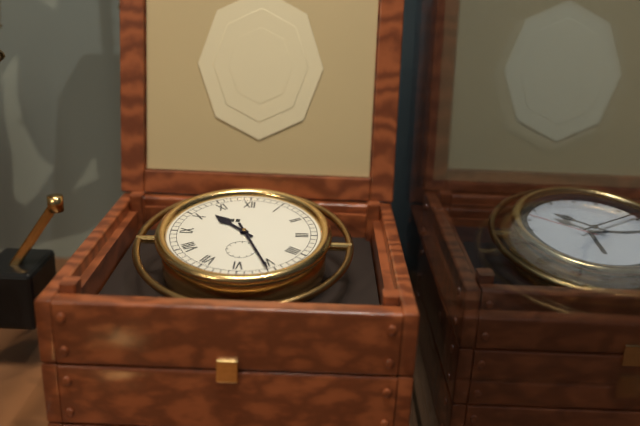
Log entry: {"hour": 10, "minute": 26}
